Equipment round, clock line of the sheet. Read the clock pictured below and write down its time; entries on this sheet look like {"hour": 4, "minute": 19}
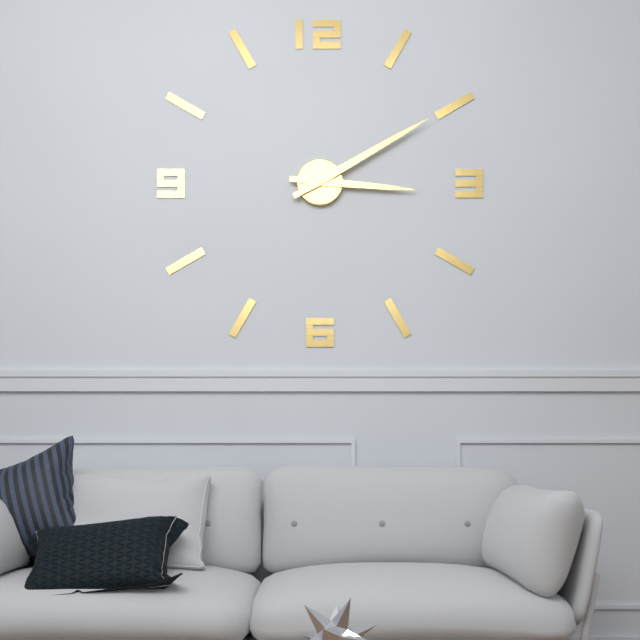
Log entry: {"hour": 3, "minute": 10}
